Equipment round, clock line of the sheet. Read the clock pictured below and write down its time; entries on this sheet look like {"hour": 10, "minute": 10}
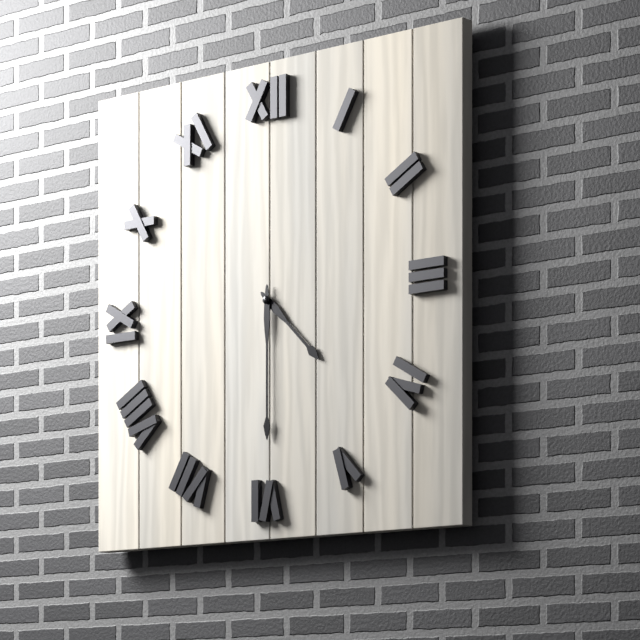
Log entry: {"hour": 4, "minute": 30}
